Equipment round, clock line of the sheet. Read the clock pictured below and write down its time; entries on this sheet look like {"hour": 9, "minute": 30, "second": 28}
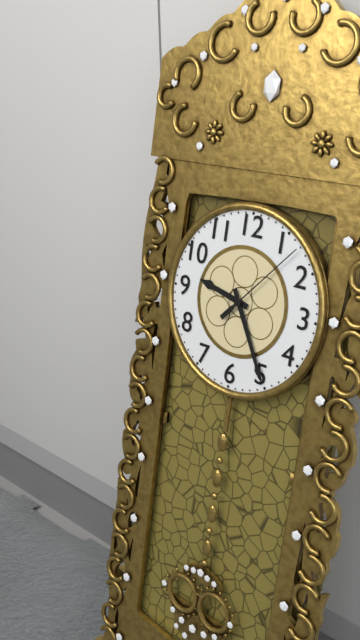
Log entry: {"hour": 9, "minute": 25, "second": 7}
